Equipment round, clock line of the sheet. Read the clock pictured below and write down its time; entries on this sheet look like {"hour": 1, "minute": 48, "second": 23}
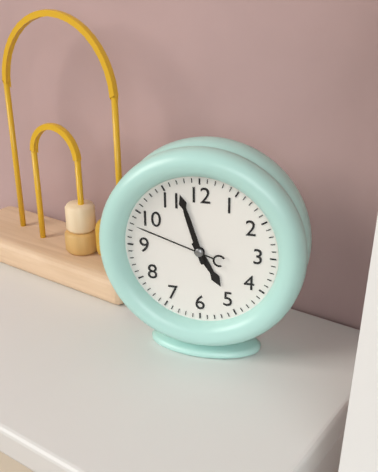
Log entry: {"hour": 4, "minute": 57, "second": 48}
